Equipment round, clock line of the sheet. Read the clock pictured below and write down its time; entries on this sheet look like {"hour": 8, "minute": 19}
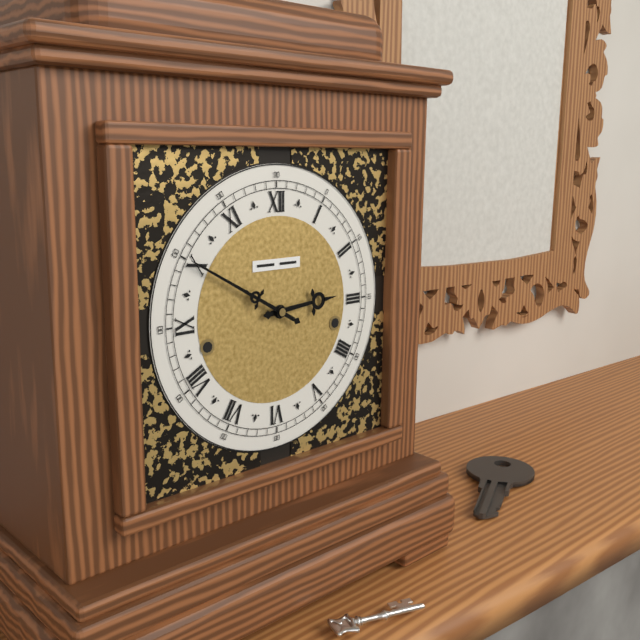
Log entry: {"hour": 2, "minute": 50}
